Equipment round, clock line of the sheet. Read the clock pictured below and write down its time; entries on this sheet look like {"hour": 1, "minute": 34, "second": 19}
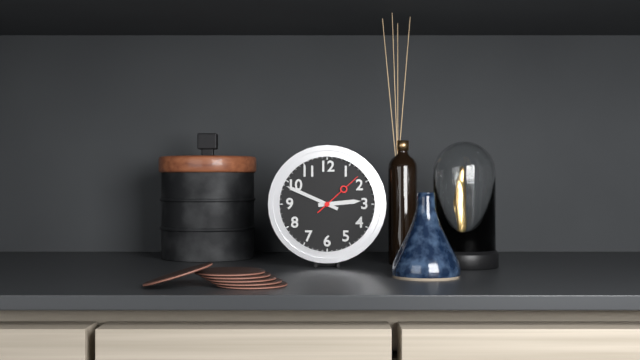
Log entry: {"hour": 2, "minute": 49, "second": 8}
